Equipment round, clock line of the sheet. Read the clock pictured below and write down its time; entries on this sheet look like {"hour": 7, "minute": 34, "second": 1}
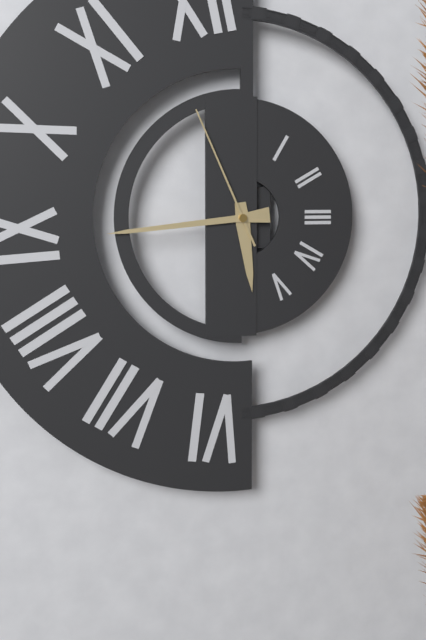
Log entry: {"hour": 5, "minute": 44, "second": 56}
